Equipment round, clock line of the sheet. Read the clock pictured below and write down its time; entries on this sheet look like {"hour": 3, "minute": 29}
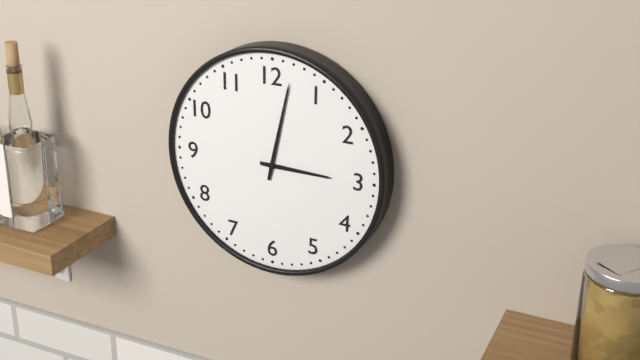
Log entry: {"hour": 3, "minute": 2}
